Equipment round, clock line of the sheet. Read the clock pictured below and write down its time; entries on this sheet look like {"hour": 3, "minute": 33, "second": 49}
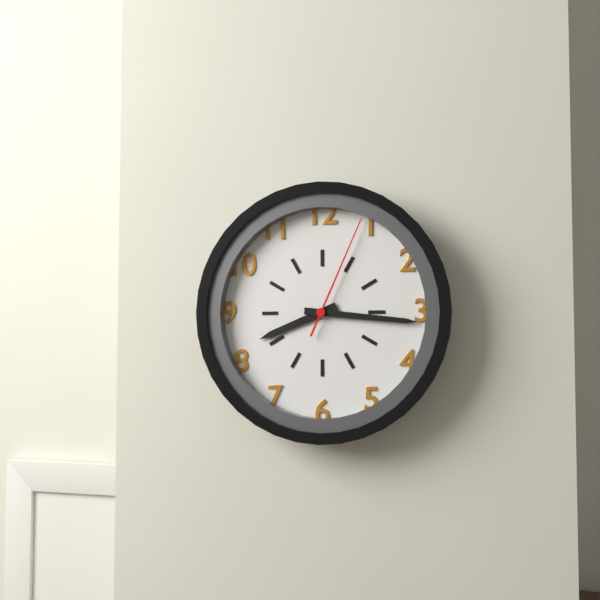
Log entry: {"hour": 8, "minute": 16, "second": 4}
